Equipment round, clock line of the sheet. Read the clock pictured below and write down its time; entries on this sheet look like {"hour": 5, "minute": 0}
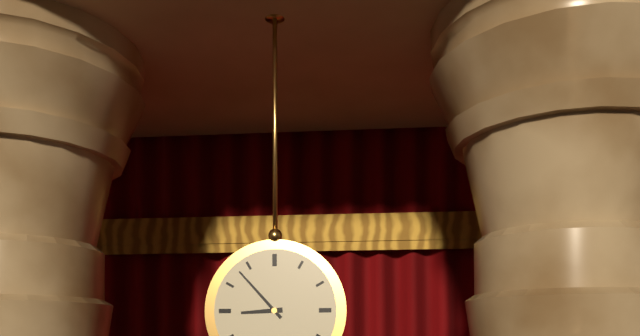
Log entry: {"hour": 8, "minute": 53}
